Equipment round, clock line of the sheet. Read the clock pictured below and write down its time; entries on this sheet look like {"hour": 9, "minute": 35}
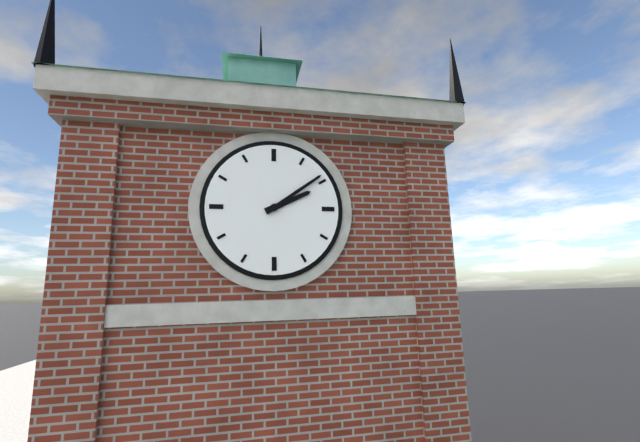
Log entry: {"hour": 2, "minute": 9}
